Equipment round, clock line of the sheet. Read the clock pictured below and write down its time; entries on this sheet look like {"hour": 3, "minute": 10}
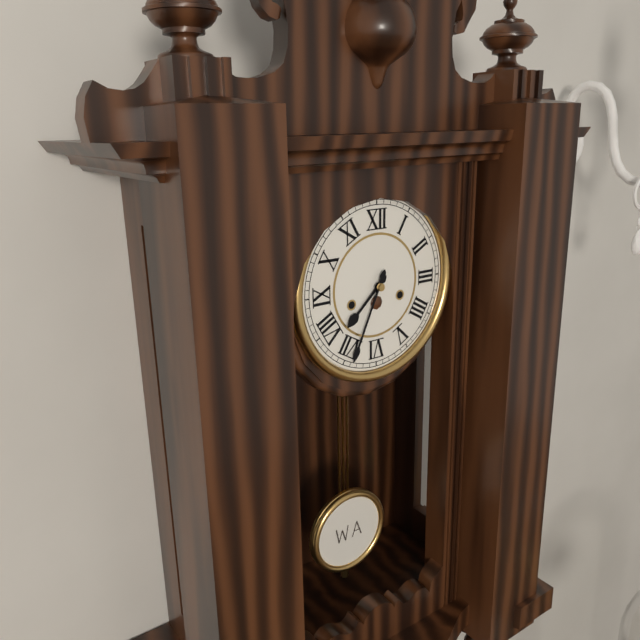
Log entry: {"hour": 7, "minute": 34}
